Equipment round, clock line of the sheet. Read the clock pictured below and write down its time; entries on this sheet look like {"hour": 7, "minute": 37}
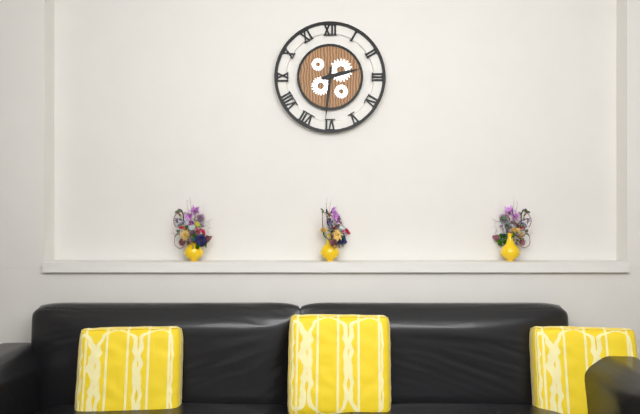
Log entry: {"hour": 2, "minute": 31}
